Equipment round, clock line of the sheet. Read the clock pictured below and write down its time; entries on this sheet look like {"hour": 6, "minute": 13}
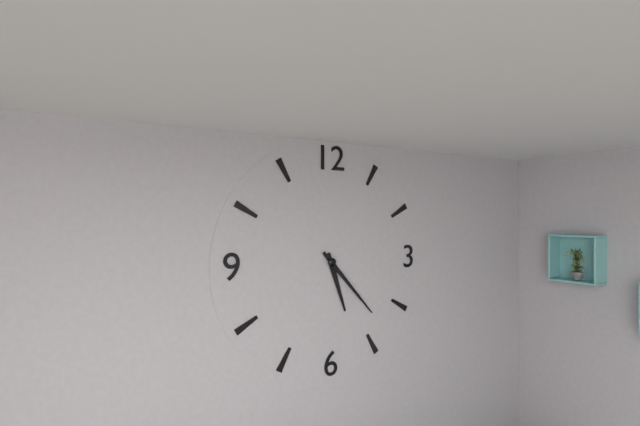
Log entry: {"hour": 5, "minute": 23}
